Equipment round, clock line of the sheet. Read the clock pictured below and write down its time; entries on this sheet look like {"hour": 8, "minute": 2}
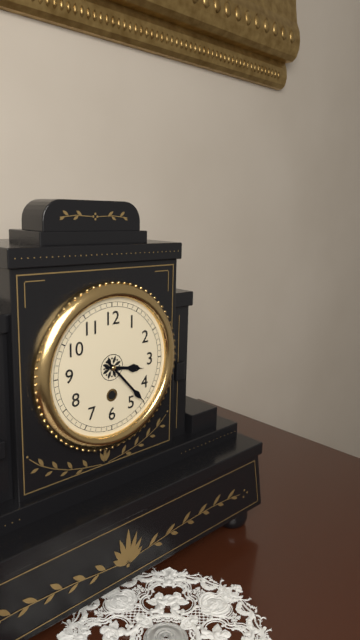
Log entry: {"hour": 3, "minute": 23}
